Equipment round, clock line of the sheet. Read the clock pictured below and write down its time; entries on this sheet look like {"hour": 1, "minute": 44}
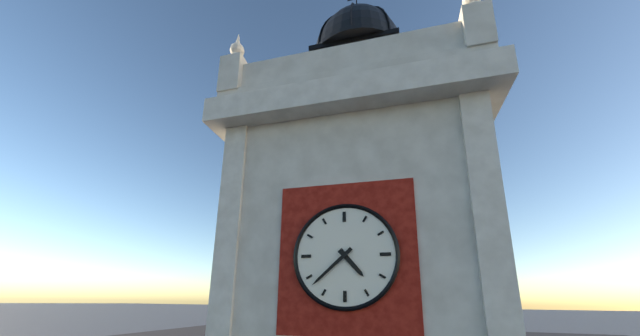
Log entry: {"hour": 4, "minute": 38}
